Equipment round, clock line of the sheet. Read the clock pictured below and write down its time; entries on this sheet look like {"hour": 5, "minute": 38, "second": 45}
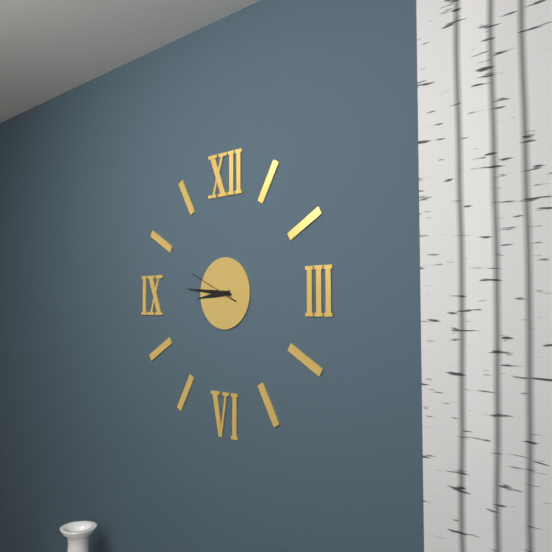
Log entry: {"hour": 8, "minute": 46, "second": 49}
